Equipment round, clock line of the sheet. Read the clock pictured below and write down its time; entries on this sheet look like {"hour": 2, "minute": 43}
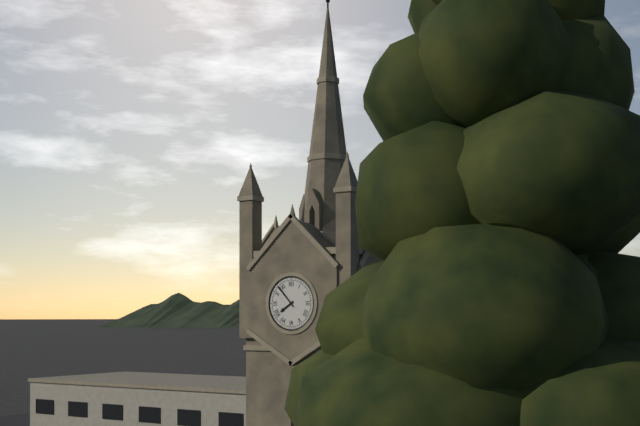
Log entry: {"hour": 7, "minute": 53}
